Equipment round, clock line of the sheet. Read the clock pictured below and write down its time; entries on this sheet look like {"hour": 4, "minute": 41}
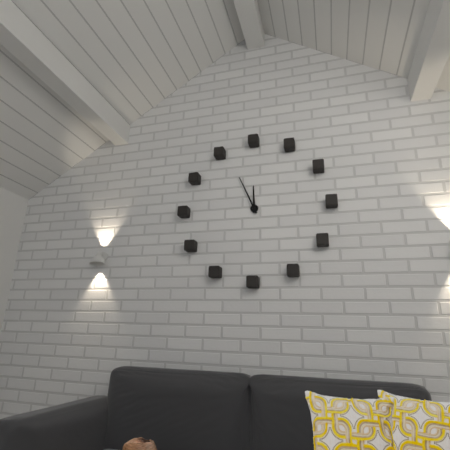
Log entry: {"hour": 11, "minute": 56}
